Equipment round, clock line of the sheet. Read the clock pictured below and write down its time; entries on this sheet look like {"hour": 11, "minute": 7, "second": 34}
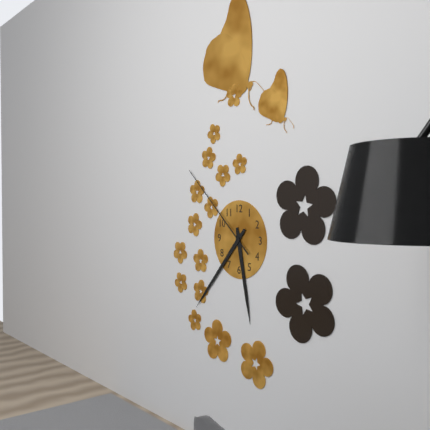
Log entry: {"hour": 5, "minute": 37, "second": 52}
